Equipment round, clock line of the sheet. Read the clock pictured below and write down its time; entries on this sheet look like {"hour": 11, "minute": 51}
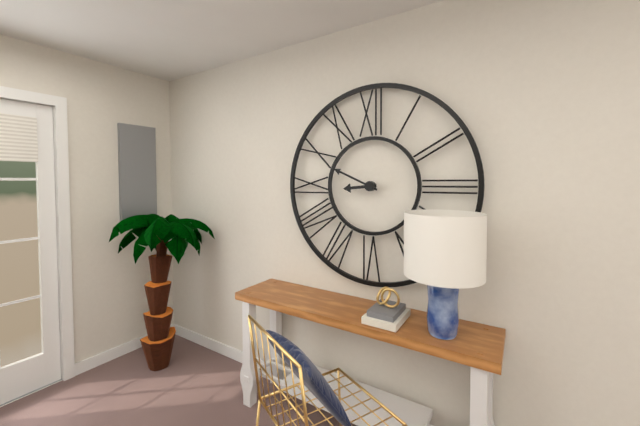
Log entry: {"hour": 8, "minute": 49}
